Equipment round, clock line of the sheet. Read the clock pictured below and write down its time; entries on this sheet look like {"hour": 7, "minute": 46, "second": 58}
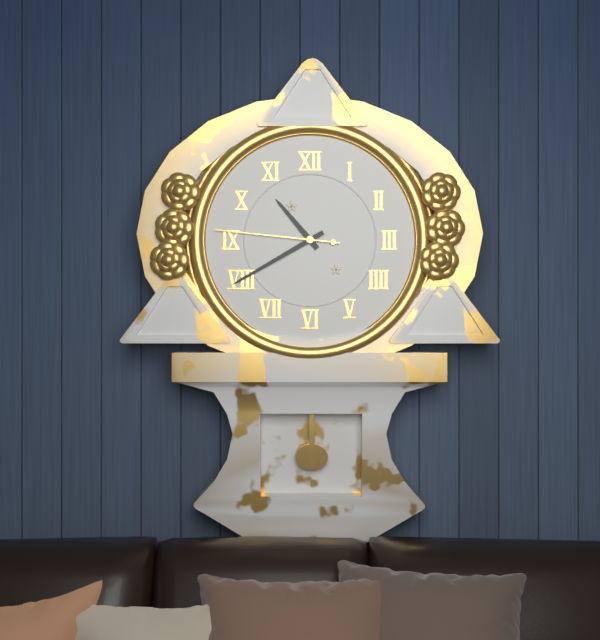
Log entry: {"hour": 10, "minute": 40, "second": 46}
